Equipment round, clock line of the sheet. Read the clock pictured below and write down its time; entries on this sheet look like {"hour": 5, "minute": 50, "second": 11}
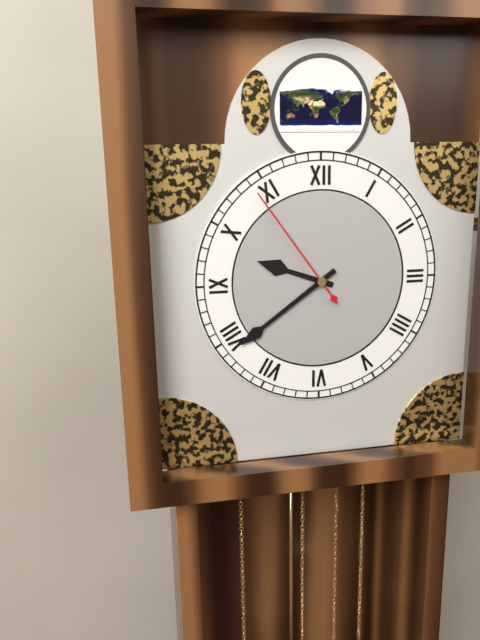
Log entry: {"hour": 9, "minute": 39, "second": 54}
